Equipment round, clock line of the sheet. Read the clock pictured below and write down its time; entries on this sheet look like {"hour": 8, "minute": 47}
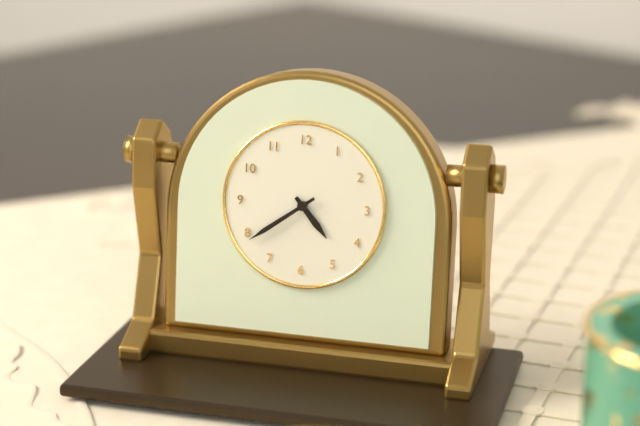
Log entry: {"hour": 4, "minute": 39}
